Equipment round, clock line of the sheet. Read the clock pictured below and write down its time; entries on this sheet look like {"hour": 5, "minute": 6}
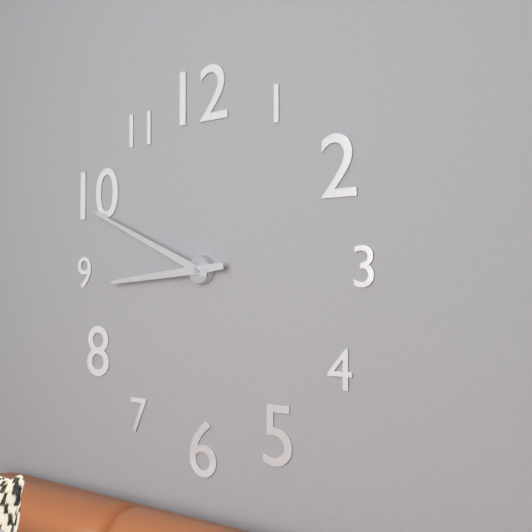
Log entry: {"hour": 8, "minute": 49}
